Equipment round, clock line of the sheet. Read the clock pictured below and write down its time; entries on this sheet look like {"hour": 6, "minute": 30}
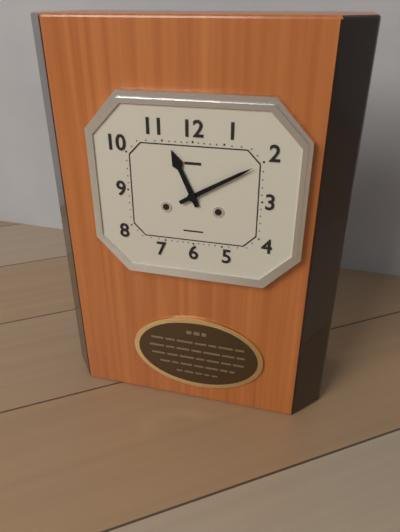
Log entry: {"hour": 11, "minute": 10}
